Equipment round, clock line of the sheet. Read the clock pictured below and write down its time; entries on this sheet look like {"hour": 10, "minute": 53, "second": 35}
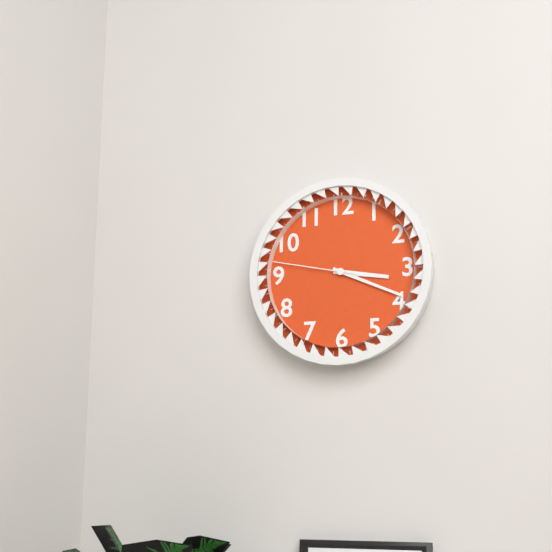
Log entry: {"hour": 3, "minute": 19, "second": 47}
